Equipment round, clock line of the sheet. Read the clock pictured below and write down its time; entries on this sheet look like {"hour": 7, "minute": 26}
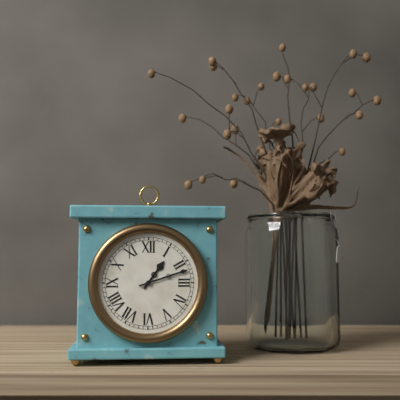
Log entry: {"hour": 1, "minute": 12}
